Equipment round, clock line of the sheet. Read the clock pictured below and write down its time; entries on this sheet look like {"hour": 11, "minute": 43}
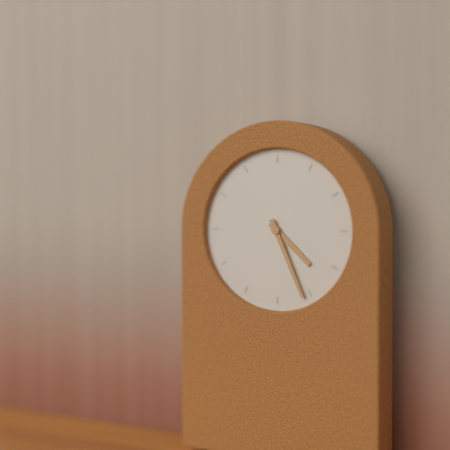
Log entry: {"hour": 4, "minute": 26}
